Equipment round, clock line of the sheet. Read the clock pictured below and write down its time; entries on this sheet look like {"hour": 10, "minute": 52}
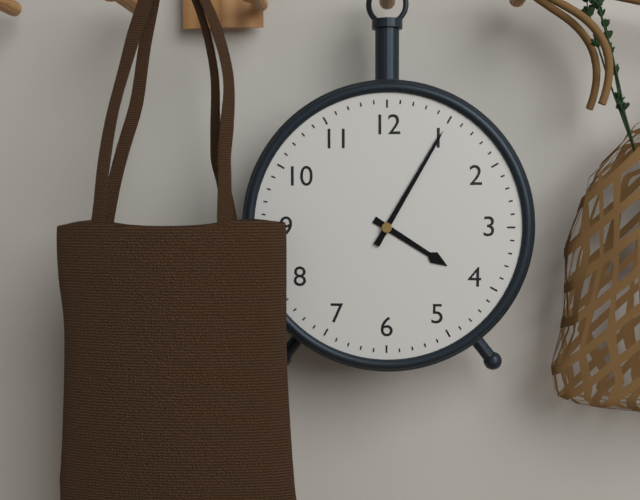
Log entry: {"hour": 4, "minute": 5}
